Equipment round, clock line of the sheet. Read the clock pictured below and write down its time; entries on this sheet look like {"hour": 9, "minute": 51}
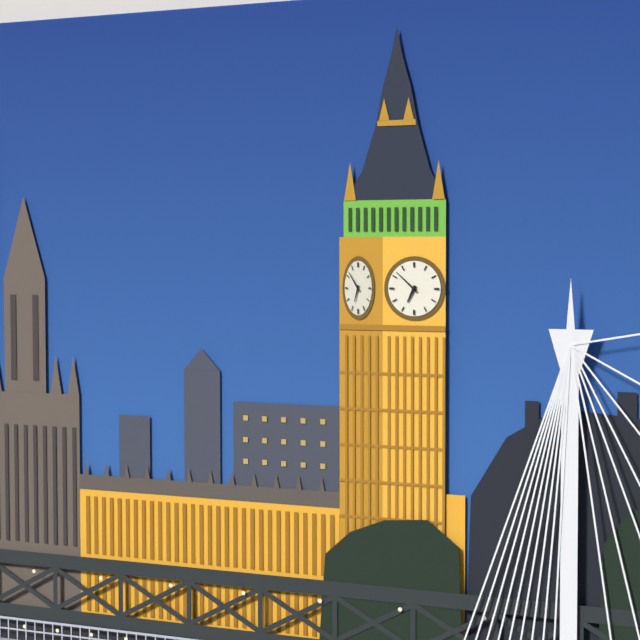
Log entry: {"hour": 6, "minute": 52}
